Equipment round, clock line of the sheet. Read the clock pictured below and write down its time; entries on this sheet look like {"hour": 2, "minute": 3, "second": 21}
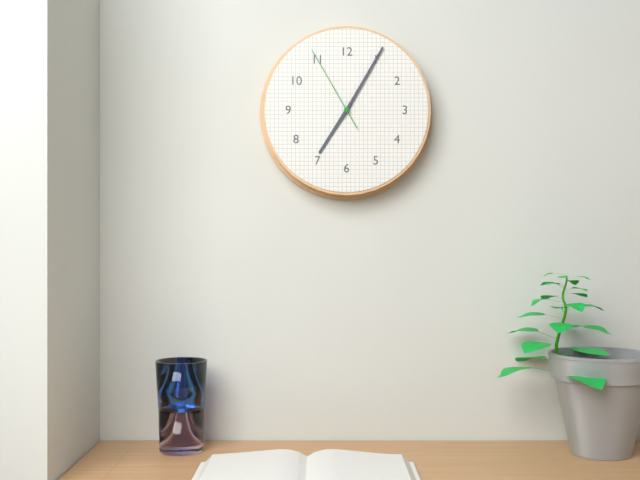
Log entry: {"hour": 7, "minute": 5, "second": 55}
